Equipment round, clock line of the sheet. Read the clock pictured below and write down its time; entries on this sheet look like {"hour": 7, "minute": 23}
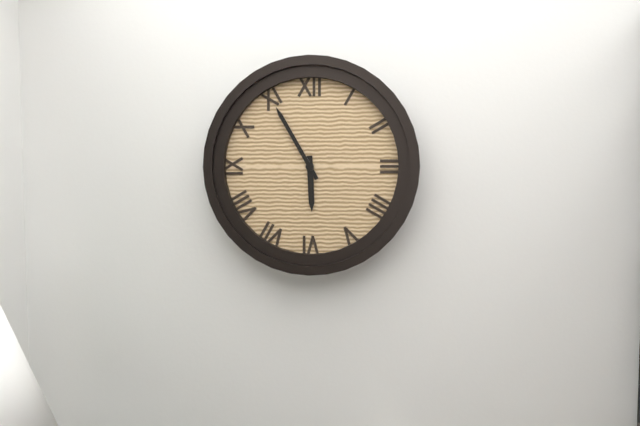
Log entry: {"hour": 5, "minute": 55}
